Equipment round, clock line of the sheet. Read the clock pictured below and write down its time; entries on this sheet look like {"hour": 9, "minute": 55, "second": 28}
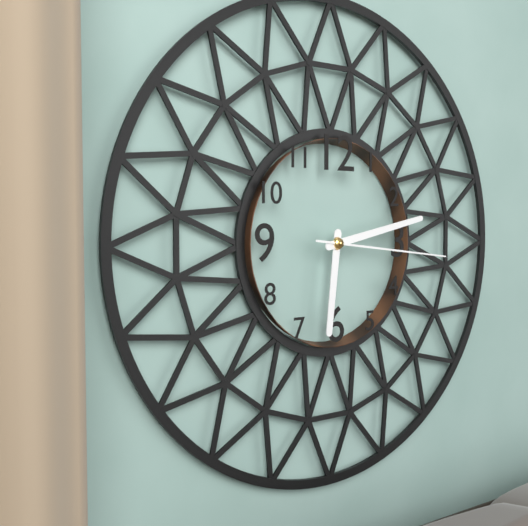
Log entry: {"hour": 6, "minute": 13, "second": 16}
